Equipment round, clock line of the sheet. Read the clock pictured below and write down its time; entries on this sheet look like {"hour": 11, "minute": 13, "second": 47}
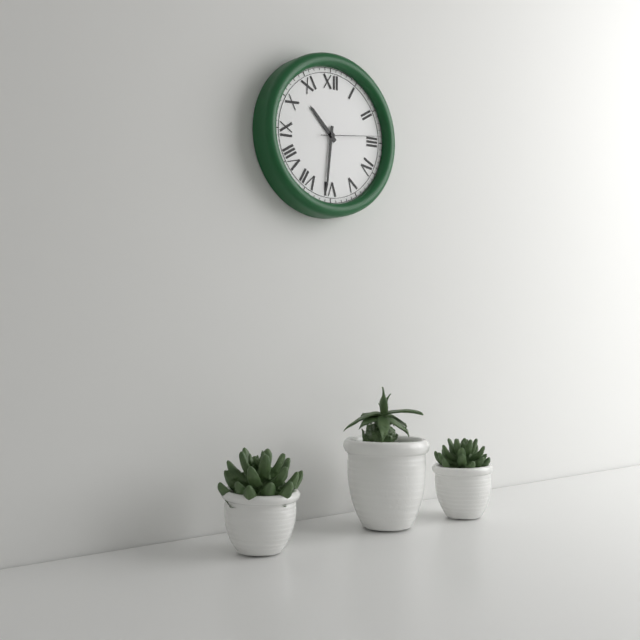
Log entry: {"hour": 10, "minute": 31, "second": 14}
